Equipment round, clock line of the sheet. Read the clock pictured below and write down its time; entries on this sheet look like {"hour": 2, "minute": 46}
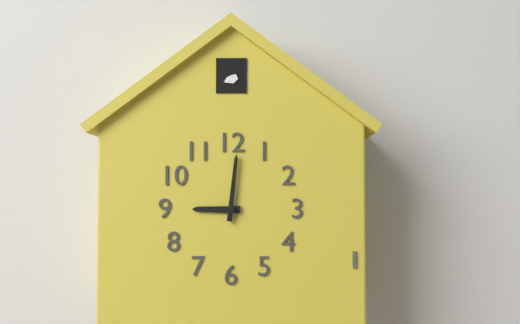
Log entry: {"hour": 9, "minute": 1}
